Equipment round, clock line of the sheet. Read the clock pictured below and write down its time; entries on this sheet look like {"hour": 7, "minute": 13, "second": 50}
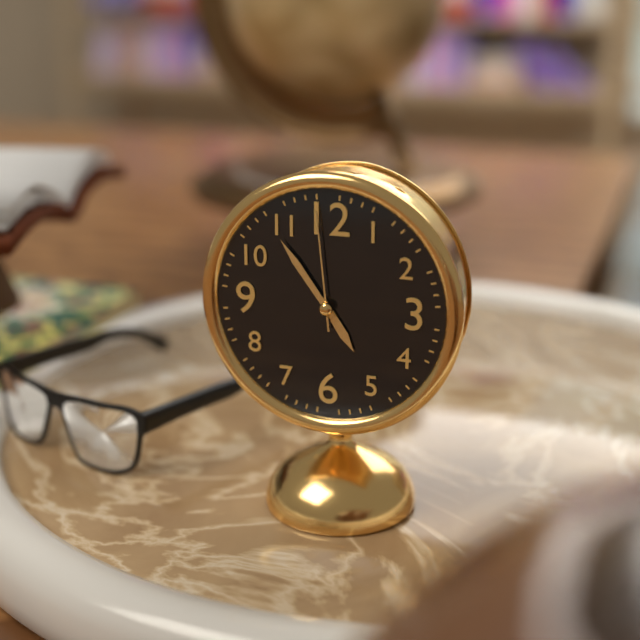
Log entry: {"hour": 4, "minute": 54, "second": 59}
